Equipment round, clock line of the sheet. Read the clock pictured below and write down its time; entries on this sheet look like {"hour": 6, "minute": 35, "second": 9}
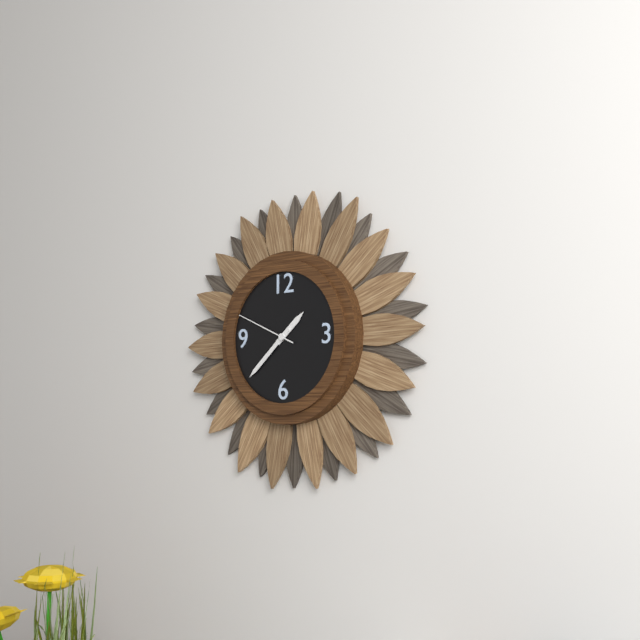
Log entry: {"hour": 1, "minute": 38, "second": 49}
